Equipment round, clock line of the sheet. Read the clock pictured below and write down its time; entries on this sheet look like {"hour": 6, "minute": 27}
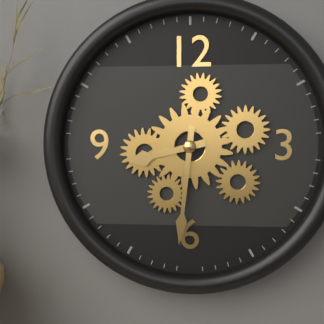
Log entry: {"hour": 8, "minute": 31}
